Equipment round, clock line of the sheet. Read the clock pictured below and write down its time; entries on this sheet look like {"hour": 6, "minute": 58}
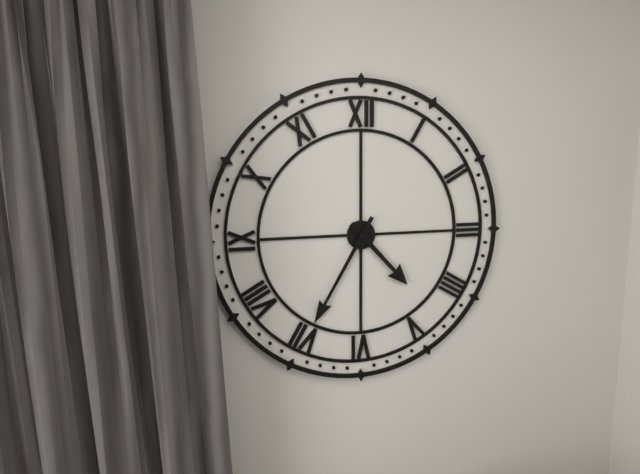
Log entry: {"hour": 4, "minute": 35}
